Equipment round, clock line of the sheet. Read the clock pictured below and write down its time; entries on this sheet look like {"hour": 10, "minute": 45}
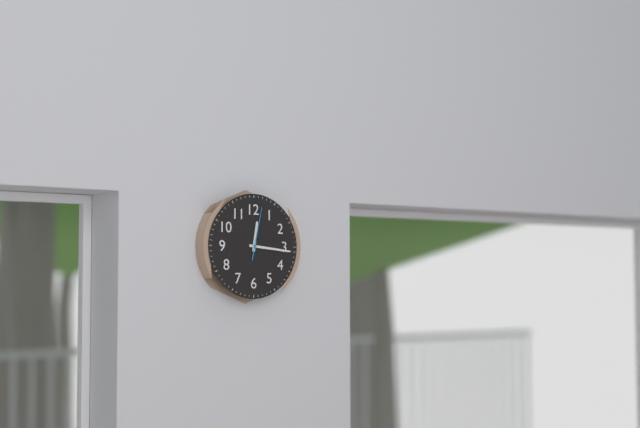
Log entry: {"hour": 12, "minute": 16}
